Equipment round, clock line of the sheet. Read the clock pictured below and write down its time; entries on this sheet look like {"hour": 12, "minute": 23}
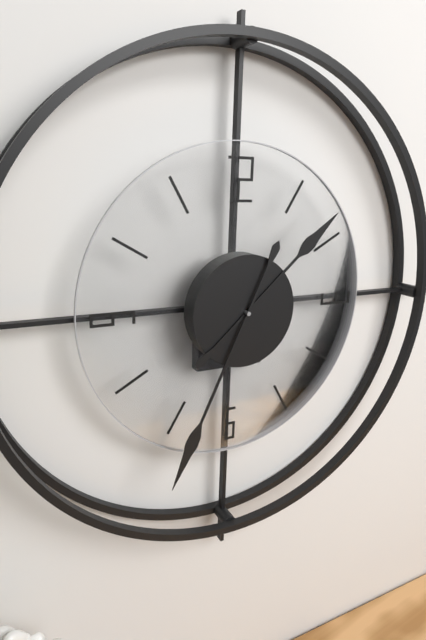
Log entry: {"hour": 1, "minute": 34}
